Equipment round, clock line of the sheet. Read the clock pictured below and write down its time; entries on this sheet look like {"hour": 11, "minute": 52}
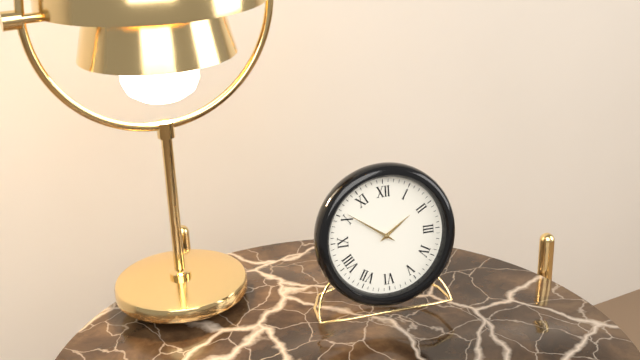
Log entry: {"hour": 1, "minute": 51}
